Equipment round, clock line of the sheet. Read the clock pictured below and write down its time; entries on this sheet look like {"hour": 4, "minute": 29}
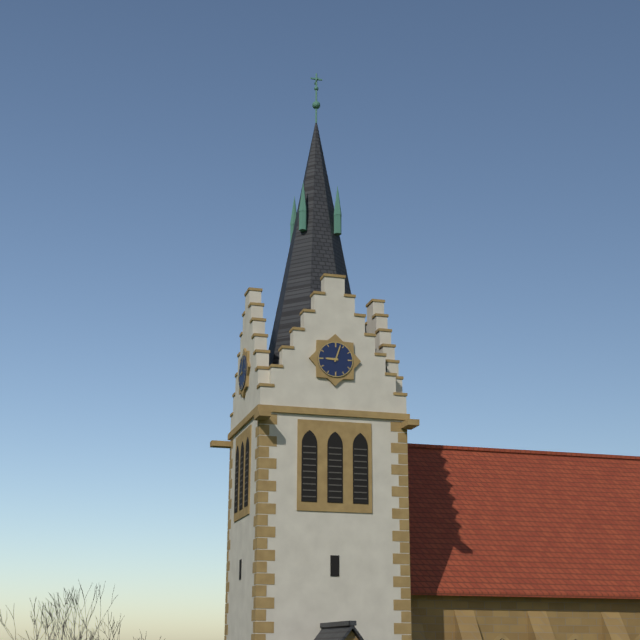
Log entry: {"hour": 9, "minute": 3}
